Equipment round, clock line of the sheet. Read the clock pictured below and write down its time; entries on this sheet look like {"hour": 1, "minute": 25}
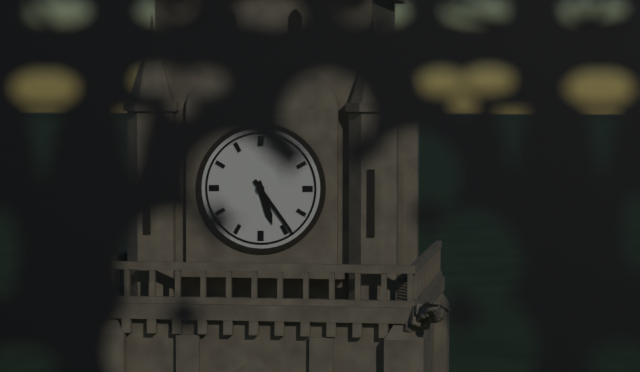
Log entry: {"hour": 5, "minute": 24}
